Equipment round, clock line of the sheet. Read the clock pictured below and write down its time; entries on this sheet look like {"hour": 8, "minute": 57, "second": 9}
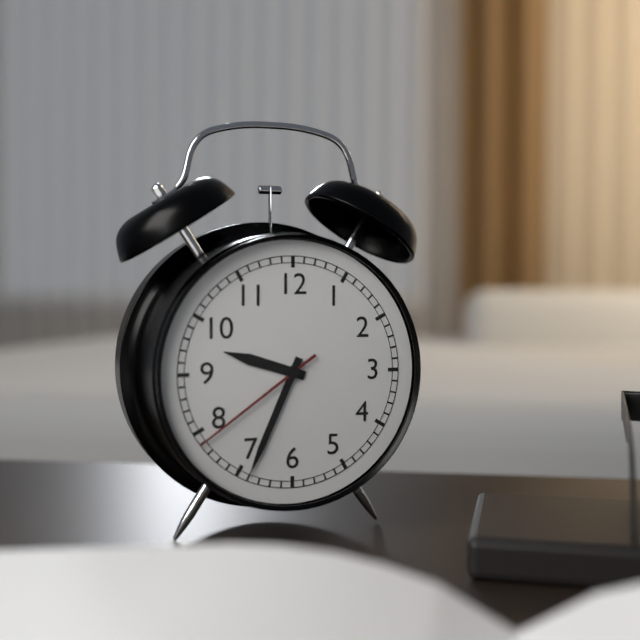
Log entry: {"hour": 9, "minute": 34, "second": 39}
